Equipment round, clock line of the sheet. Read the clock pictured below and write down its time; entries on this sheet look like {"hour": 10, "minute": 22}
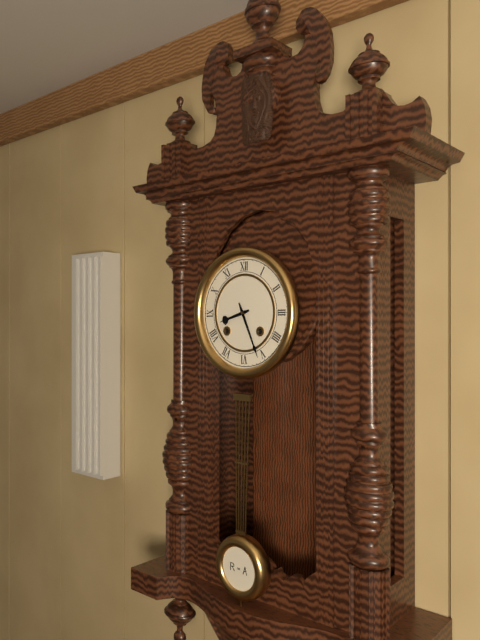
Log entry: {"hour": 8, "minute": 26}
